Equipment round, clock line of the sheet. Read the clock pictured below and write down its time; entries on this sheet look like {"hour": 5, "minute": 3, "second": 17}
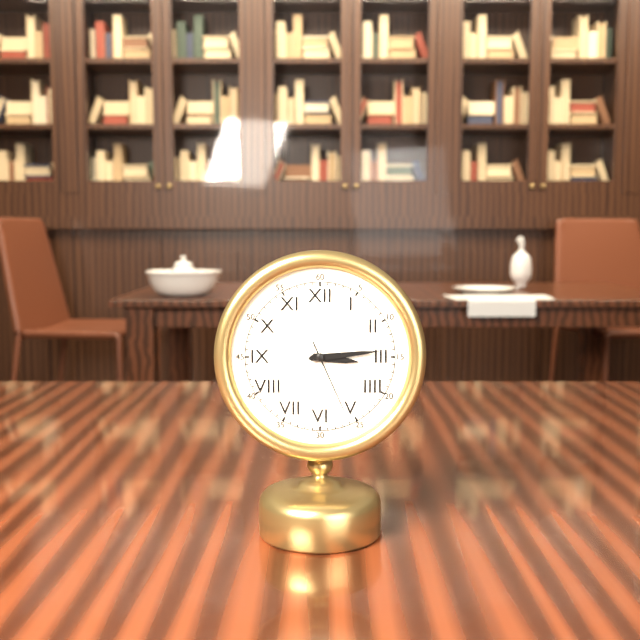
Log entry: {"hour": 3, "minute": 14, "second": 26}
